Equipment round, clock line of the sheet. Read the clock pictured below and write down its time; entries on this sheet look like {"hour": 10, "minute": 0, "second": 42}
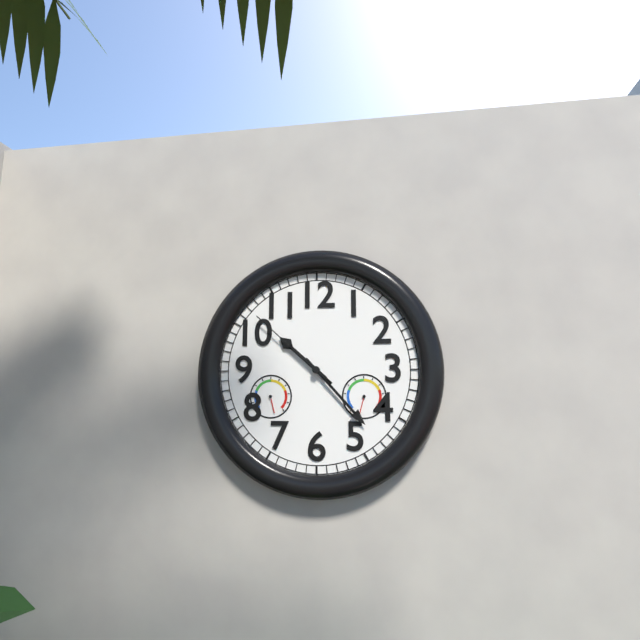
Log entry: {"hour": 10, "minute": 23, "second": 52}
